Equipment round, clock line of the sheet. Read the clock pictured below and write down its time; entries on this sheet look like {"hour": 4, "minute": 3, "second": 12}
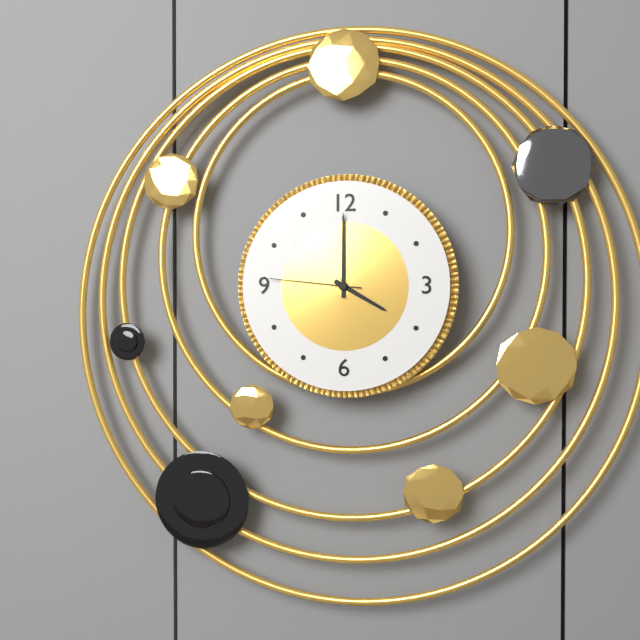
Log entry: {"hour": 4, "minute": 0, "second": 46}
